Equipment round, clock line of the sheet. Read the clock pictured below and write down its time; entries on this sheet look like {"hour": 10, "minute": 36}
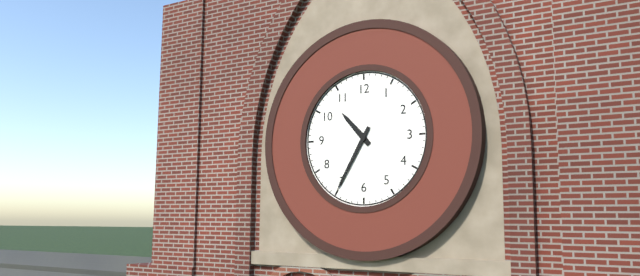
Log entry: {"hour": 10, "minute": 35}
